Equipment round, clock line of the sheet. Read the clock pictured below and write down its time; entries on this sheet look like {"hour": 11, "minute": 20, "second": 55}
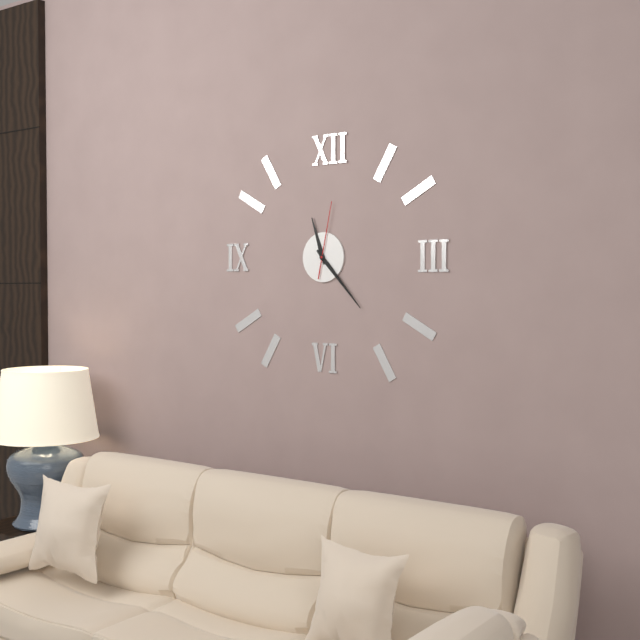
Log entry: {"hour": 11, "minute": 23, "second": 2}
